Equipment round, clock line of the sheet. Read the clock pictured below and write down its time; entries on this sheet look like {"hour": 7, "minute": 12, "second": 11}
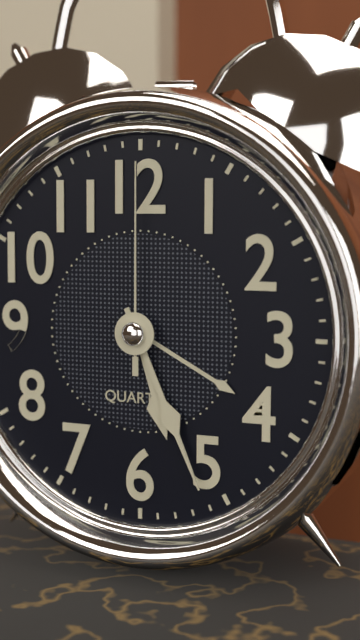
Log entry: {"hour": 5, "minute": 26, "second": 0}
